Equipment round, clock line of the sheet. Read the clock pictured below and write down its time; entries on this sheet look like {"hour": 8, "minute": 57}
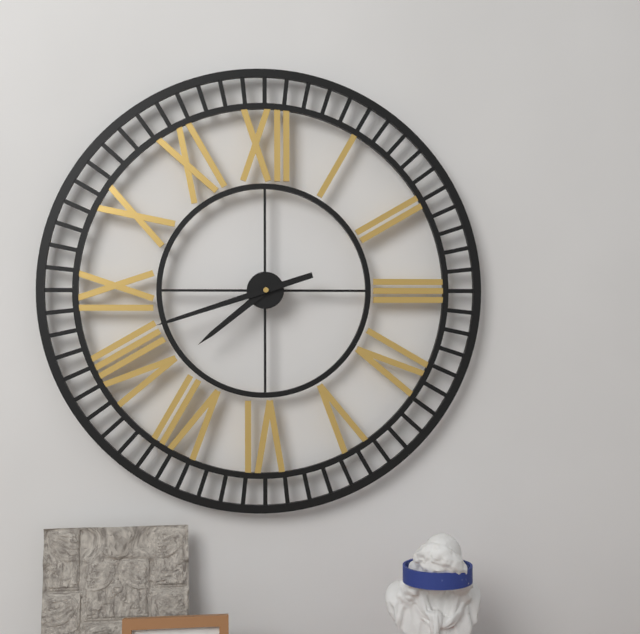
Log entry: {"hour": 7, "minute": 42}
